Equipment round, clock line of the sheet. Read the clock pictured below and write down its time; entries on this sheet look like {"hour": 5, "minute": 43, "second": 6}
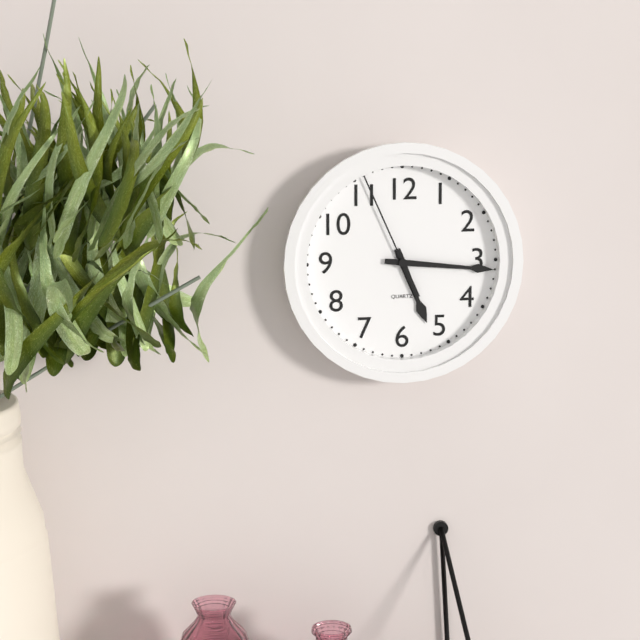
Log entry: {"hour": 5, "minute": 16, "second": 56}
